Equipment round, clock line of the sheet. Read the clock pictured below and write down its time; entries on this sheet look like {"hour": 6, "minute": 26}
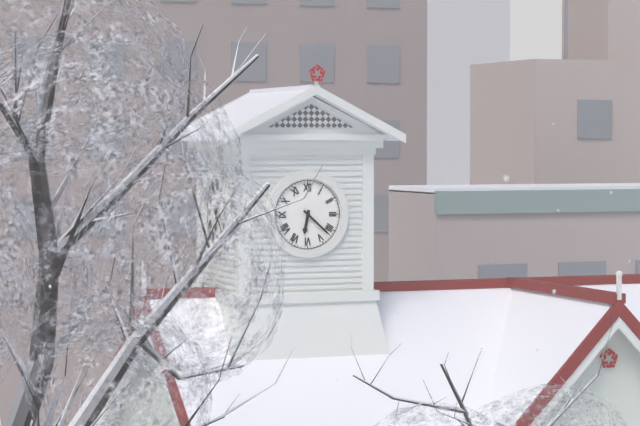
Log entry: {"hour": 6, "minute": 22}
